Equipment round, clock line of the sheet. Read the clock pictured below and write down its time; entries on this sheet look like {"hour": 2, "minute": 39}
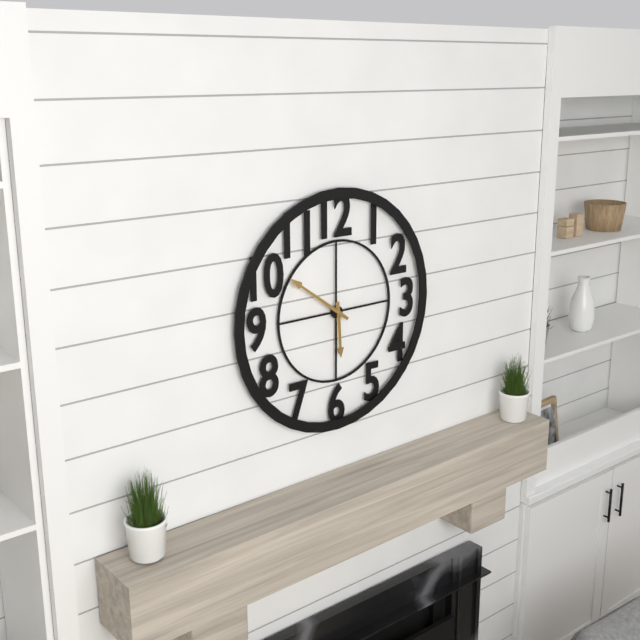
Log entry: {"hour": 5, "minute": 51}
